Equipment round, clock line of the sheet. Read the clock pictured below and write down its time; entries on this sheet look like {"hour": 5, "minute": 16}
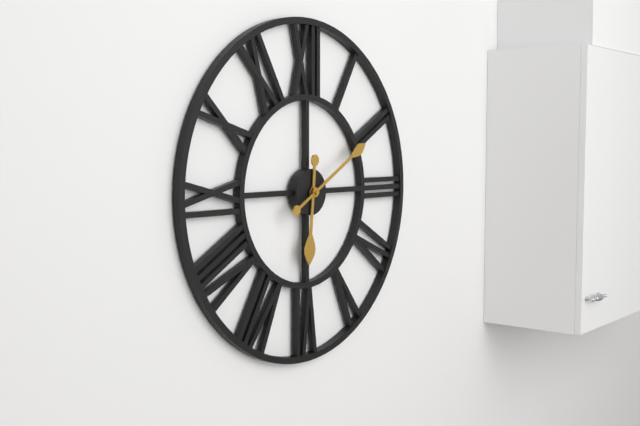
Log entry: {"hour": 6, "minute": 10}
